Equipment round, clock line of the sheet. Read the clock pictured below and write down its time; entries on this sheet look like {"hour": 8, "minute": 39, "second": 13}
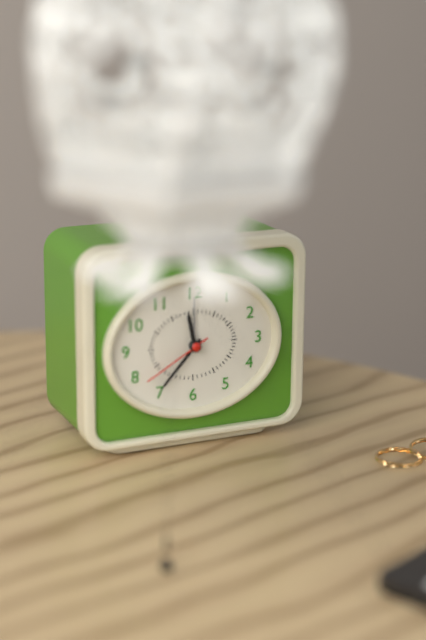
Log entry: {"hour": 11, "minute": 37, "second": 40}
